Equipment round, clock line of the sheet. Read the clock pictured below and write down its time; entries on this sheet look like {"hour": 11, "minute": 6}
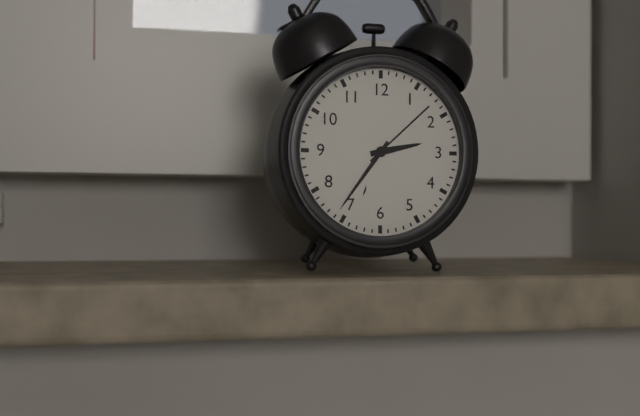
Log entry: {"hour": 2, "minute": 36}
